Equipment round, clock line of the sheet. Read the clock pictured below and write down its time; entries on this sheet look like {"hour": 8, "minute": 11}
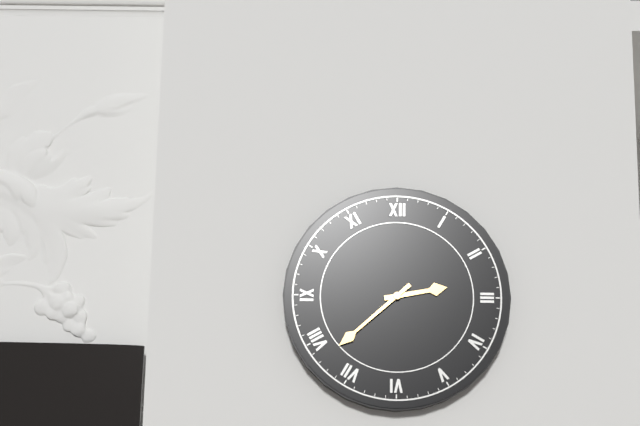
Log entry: {"hour": 2, "minute": 38}
